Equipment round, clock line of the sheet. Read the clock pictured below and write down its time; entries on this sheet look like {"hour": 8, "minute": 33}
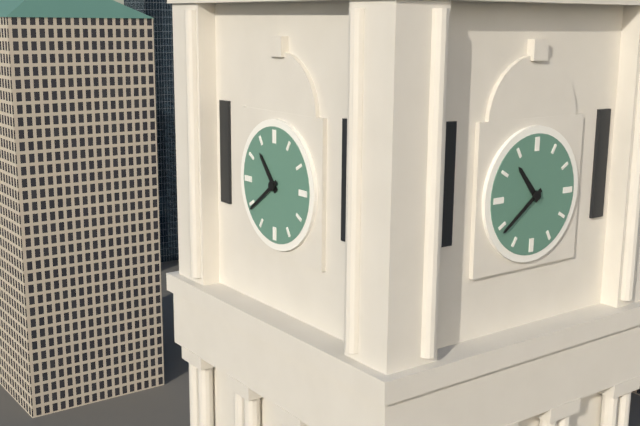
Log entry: {"hour": 10, "minute": 39}
